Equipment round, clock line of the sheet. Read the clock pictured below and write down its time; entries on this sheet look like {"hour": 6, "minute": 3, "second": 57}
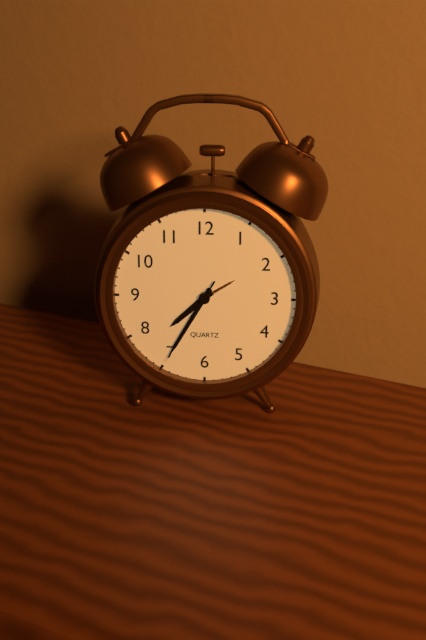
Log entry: {"hour": 7, "minute": 35, "second": 35}
